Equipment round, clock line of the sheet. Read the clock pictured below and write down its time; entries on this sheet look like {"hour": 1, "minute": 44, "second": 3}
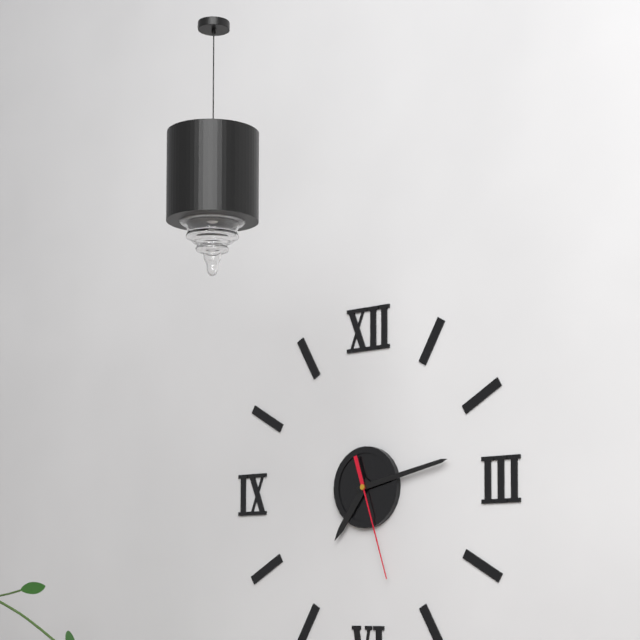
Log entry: {"hour": 7, "minute": 13, "second": 27}
